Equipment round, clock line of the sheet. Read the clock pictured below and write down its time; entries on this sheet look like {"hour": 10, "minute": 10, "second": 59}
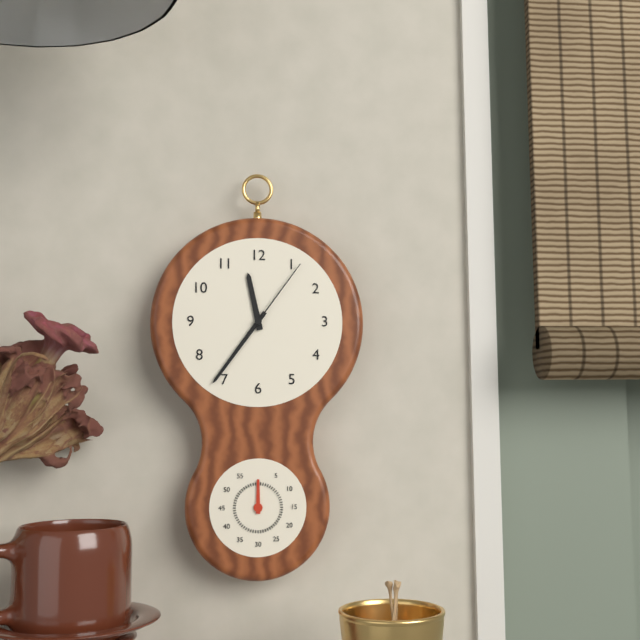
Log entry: {"hour": 11, "minute": 36, "second": 6}
